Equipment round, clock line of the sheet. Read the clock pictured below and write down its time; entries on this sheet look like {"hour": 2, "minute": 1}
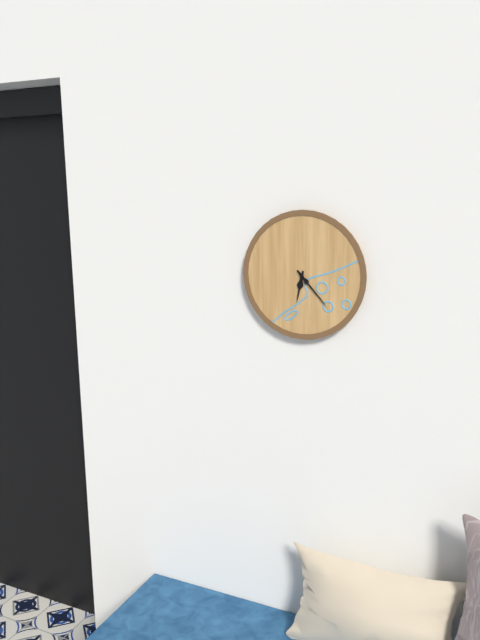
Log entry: {"hour": 6, "minute": 23}
